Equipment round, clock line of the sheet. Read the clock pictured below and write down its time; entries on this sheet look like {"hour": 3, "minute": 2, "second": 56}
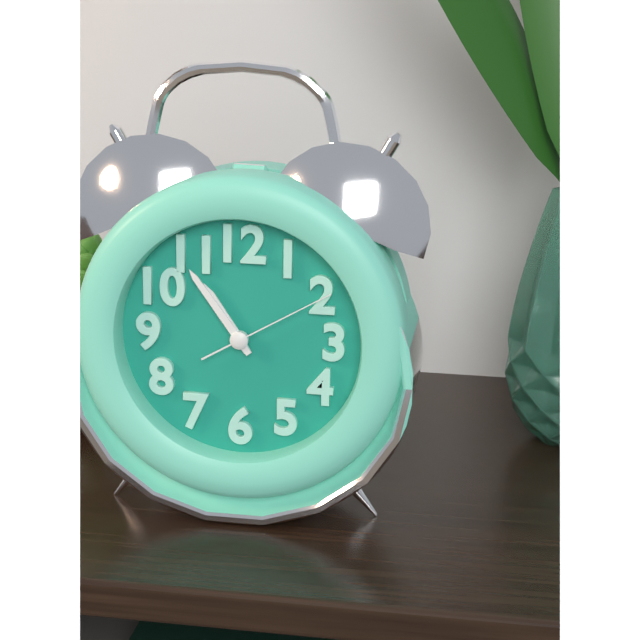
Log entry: {"hour": 10, "minute": 54, "second": 10}
